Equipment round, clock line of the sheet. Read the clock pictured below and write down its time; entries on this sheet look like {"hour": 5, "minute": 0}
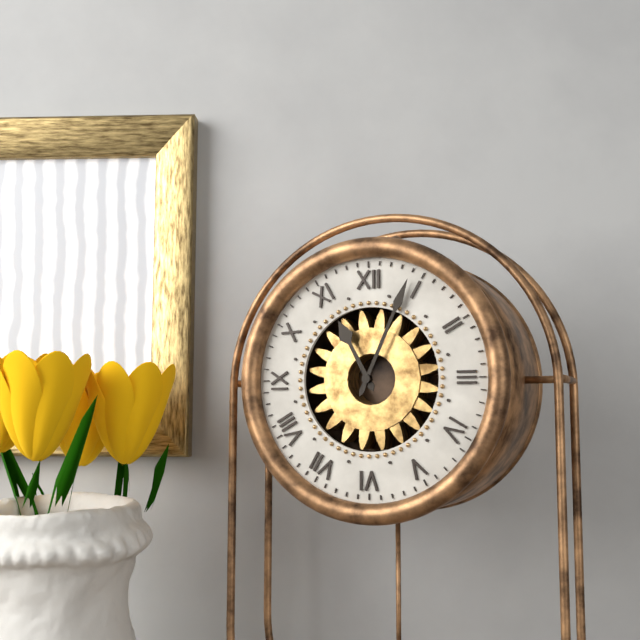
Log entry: {"hour": 11, "minute": 4}
